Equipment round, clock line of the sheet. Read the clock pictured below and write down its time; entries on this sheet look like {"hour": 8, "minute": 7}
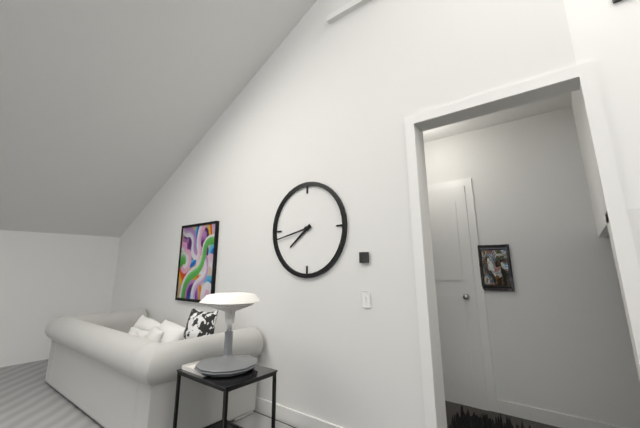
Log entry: {"hour": 7, "minute": 43}
